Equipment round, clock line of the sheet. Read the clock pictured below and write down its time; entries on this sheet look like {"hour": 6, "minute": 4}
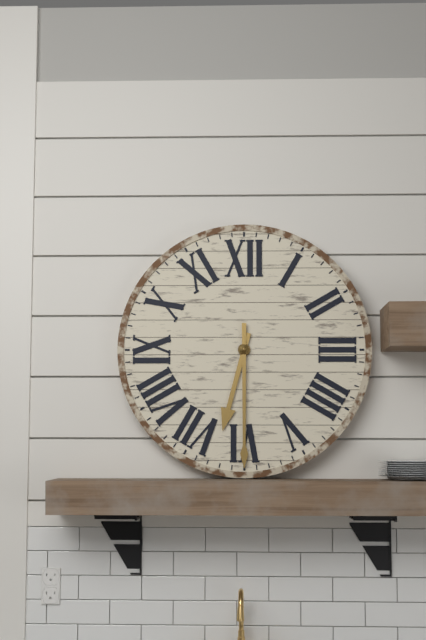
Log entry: {"hour": 6, "minute": 30}
